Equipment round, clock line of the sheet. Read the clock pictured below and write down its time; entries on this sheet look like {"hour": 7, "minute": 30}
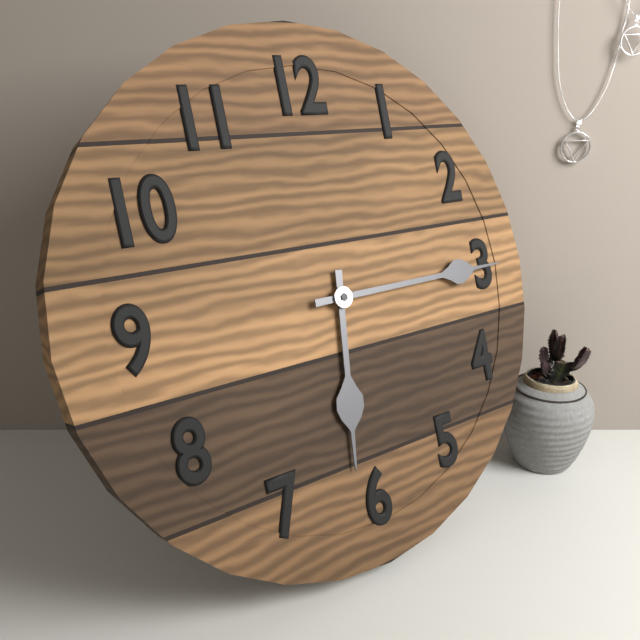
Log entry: {"hour": 6, "minute": 15}
